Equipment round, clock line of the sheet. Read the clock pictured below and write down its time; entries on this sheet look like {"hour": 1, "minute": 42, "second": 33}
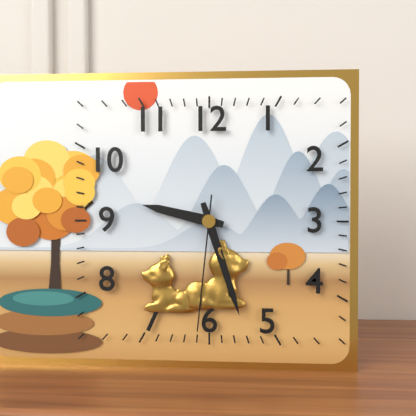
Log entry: {"hour": 9, "minute": 27, "second": 31}
